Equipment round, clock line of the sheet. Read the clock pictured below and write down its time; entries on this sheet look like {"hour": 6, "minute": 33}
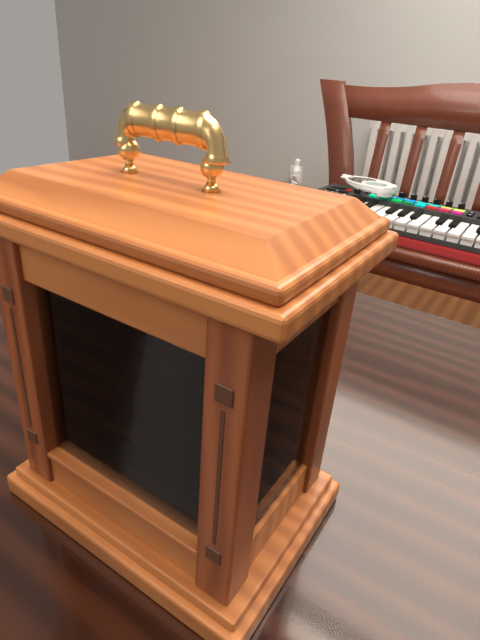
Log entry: {"hour": 1, "minute": 57}
